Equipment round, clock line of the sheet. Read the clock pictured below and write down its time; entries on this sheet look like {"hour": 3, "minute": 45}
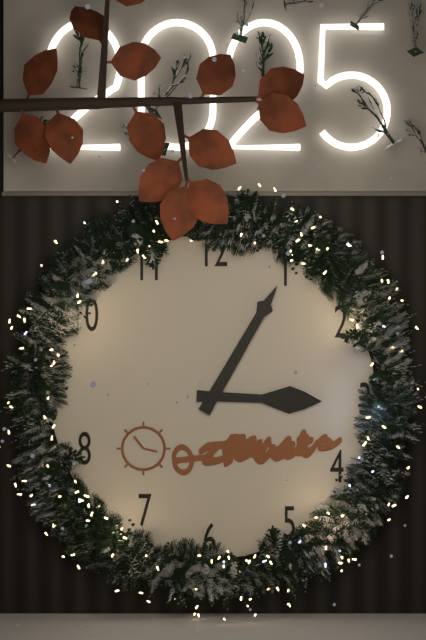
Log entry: {"hour": 3, "minute": 5}
